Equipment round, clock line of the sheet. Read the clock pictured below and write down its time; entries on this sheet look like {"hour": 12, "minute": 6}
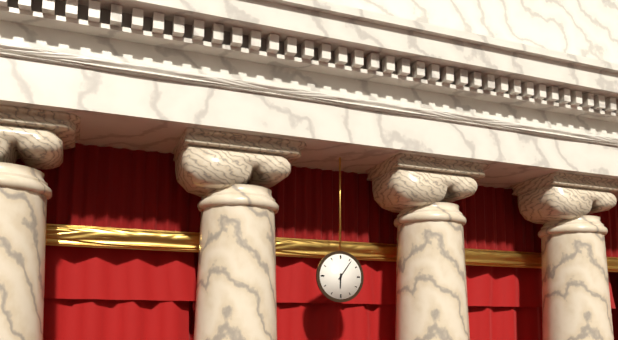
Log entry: {"hour": 6, "minute": 6}
